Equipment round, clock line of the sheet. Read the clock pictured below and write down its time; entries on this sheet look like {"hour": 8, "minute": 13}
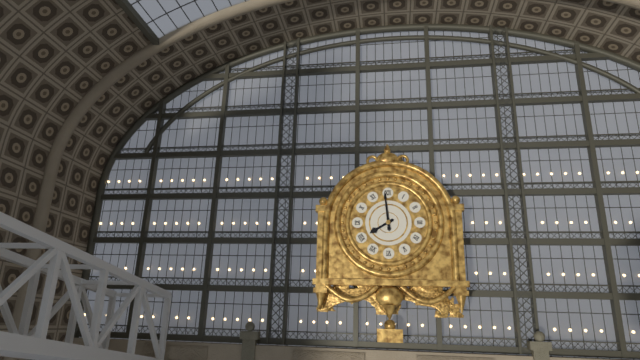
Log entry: {"hour": 7, "minute": 59}
